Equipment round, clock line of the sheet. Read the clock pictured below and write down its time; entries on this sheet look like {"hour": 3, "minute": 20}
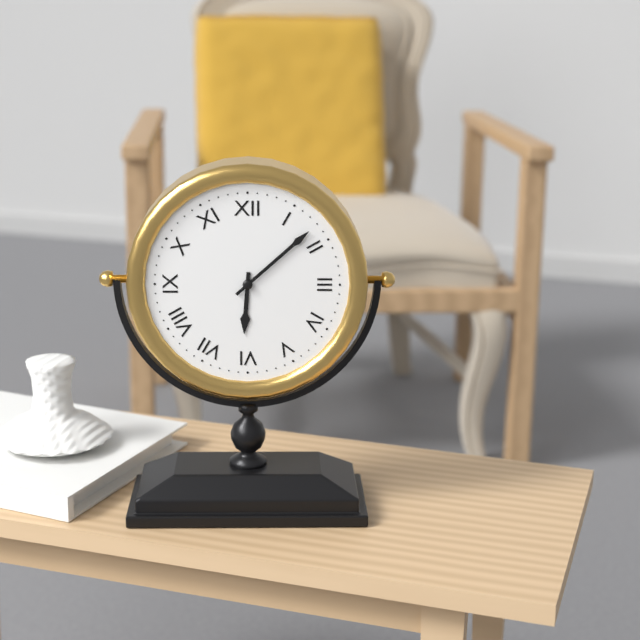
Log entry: {"hour": 6, "minute": 8}
